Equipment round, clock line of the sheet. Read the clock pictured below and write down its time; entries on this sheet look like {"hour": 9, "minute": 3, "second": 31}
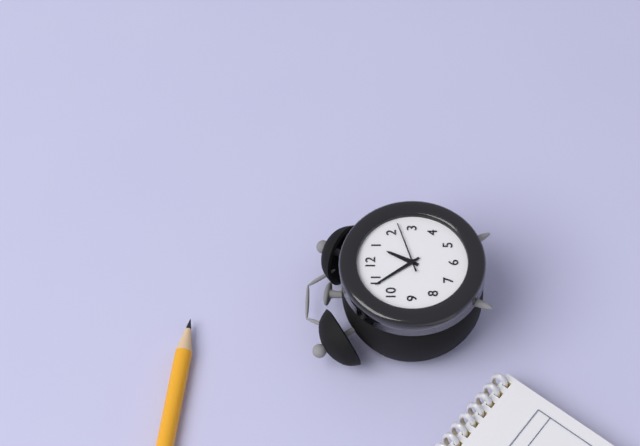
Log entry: {"hour": 12, "minute": 54, "second": 12}
